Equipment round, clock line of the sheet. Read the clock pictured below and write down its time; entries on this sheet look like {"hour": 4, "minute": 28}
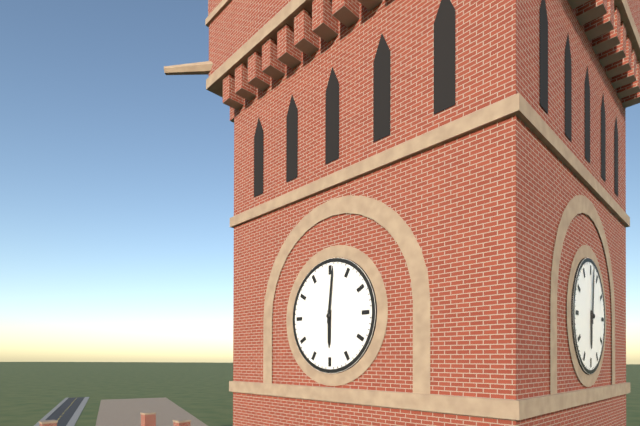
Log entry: {"hour": 6, "minute": 1}
